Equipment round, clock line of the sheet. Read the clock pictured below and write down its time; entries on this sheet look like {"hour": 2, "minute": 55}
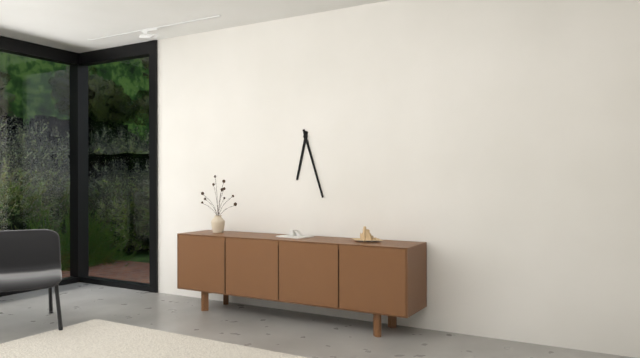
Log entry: {"hour": 6, "minute": 27}
